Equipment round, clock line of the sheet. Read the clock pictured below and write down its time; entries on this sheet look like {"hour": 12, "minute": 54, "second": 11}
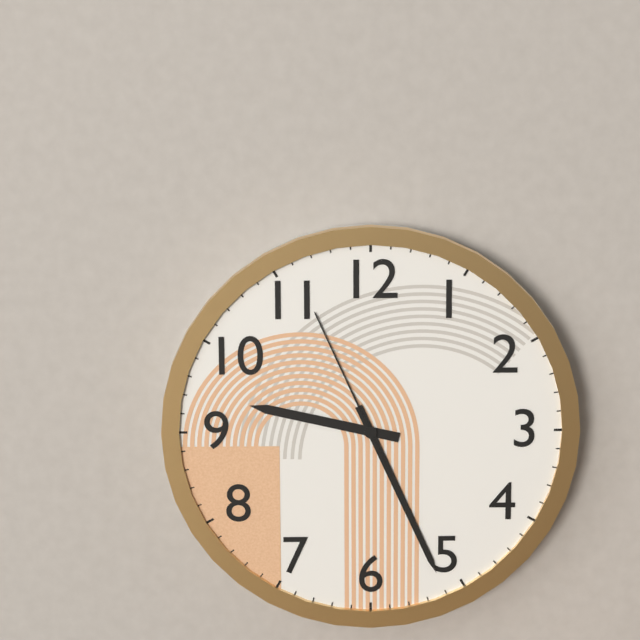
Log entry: {"hour": 9, "minute": 26, "second": 56}
